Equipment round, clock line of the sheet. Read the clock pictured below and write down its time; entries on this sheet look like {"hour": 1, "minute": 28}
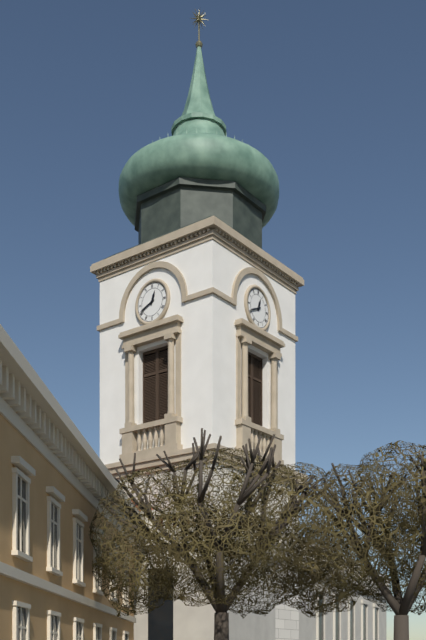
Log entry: {"hour": 12, "minute": 41}
